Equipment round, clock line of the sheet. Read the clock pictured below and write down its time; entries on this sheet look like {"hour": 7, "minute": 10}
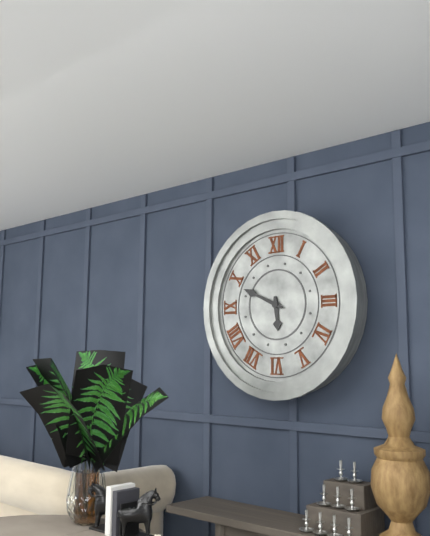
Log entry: {"hour": 5, "minute": 49}
